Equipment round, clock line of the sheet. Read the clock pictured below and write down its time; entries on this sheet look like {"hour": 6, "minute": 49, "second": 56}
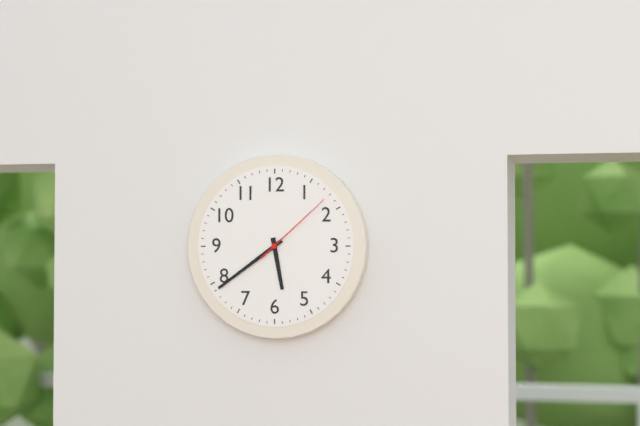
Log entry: {"hour": 5, "minute": 39, "second": 8}
